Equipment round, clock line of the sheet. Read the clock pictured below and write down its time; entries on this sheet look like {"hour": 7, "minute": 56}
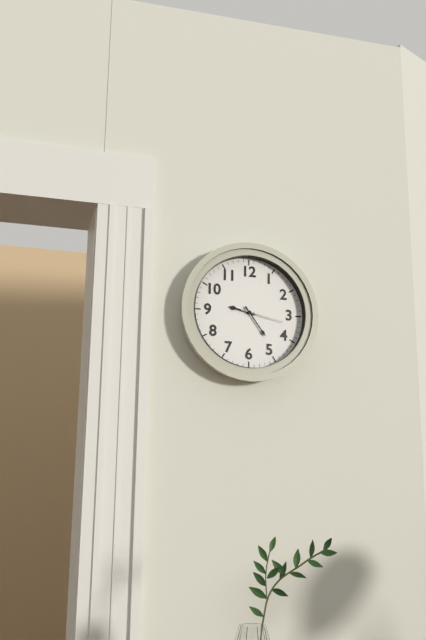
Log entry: {"hour": 9, "minute": 24}
